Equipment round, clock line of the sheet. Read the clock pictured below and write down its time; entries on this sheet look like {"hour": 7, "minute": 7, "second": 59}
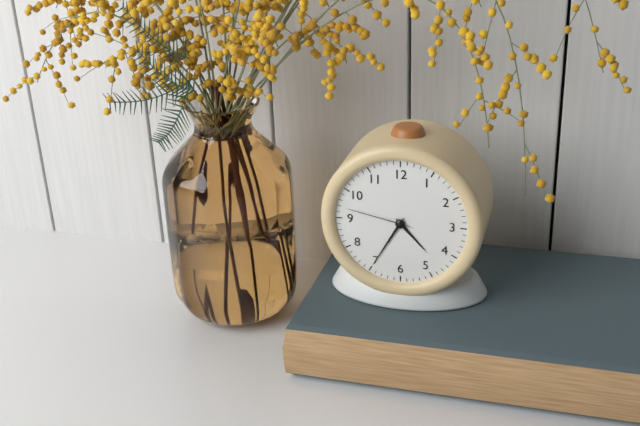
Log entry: {"hour": 4, "minute": 35, "second": 47}
